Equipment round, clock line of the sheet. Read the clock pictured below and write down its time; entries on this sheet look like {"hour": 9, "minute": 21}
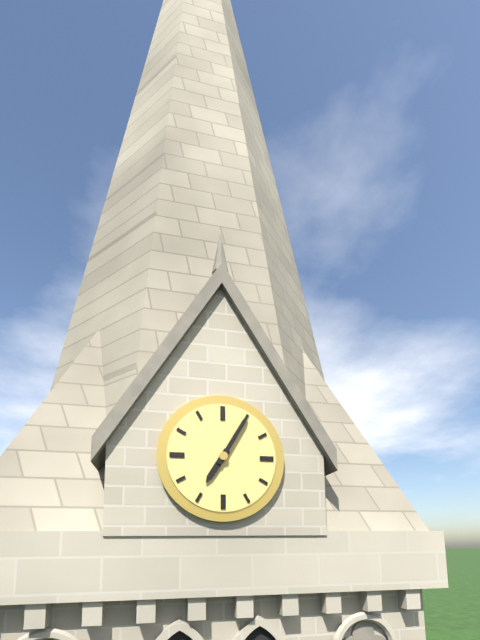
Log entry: {"hour": 7, "minute": 5}
